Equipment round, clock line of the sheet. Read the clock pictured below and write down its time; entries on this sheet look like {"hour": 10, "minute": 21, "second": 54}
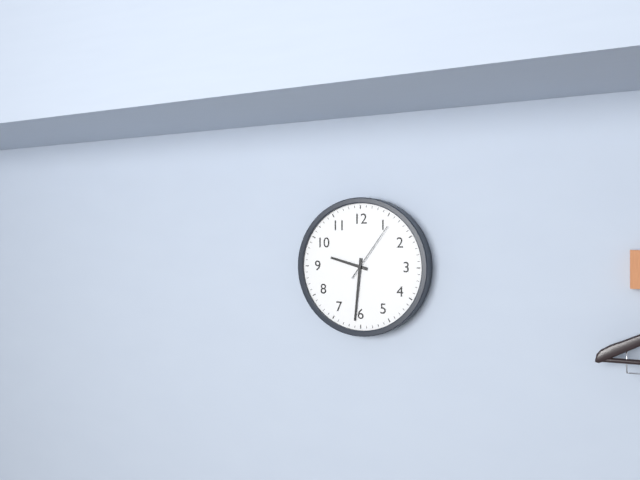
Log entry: {"hour": 9, "minute": 31, "second": 6}
